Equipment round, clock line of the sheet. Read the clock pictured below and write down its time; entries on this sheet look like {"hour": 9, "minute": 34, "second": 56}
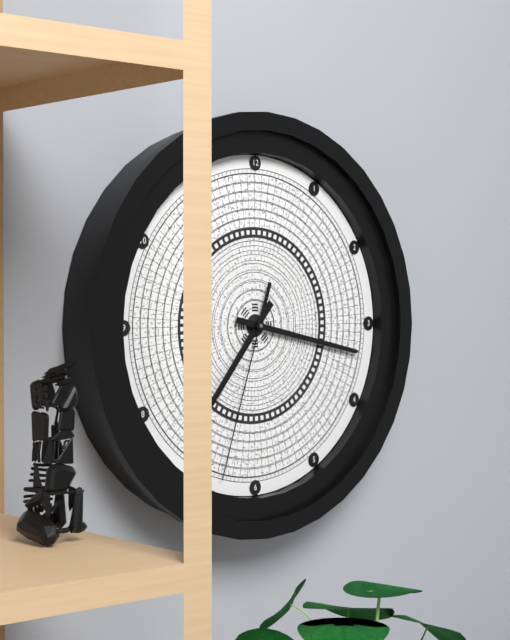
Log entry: {"hour": 7, "minute": 17, "second": 33}
